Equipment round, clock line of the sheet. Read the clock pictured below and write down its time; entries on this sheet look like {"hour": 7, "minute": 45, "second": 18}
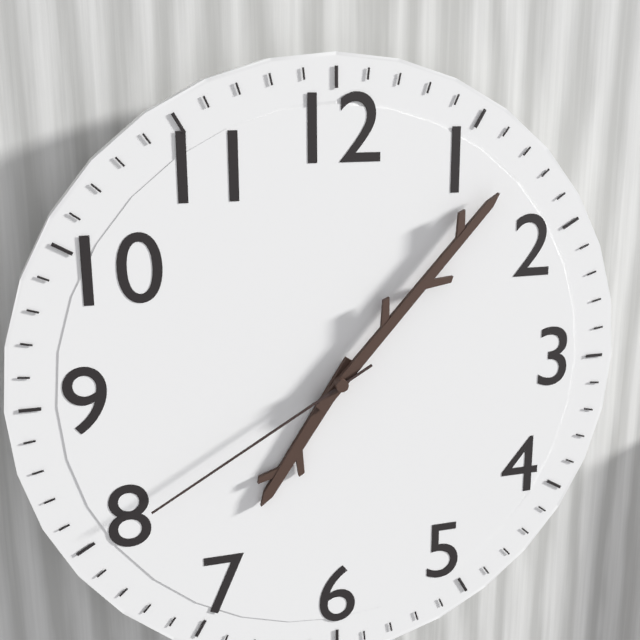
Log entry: {"hour": 7, "minute": 7, "second": 40}
